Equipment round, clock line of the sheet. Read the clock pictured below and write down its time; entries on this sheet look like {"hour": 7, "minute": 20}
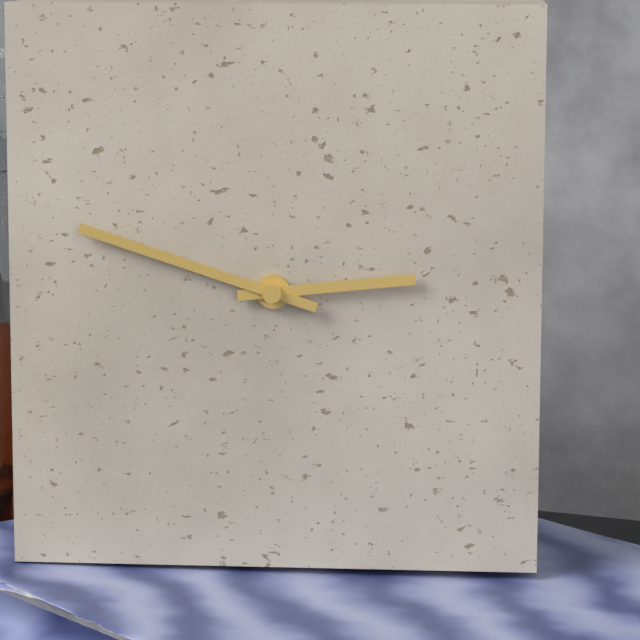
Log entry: {"hour": 2, "minute": 48}
